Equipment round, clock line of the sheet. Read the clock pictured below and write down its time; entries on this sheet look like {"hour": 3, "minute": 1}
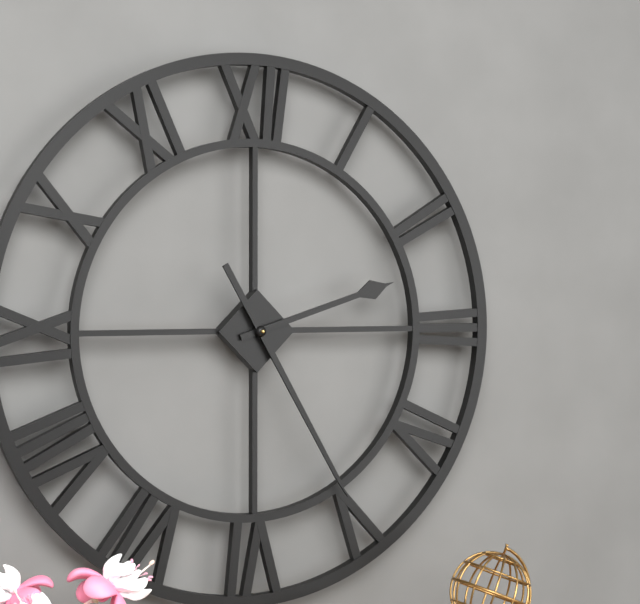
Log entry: {"hour": 2, "minute": 25}
